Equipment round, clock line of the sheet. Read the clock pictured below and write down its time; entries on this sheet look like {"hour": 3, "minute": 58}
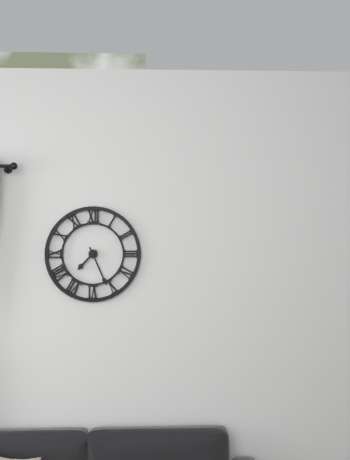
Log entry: {"hour": 7, "minute": 26}
